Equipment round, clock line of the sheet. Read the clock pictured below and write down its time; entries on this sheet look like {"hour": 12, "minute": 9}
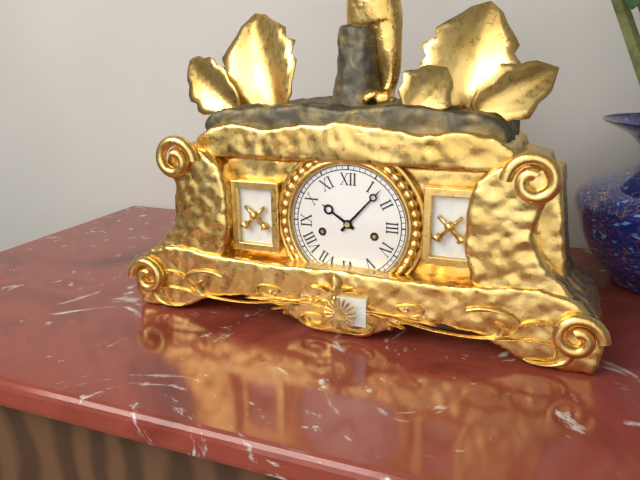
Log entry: {"hour": 10, "minute": 7}
